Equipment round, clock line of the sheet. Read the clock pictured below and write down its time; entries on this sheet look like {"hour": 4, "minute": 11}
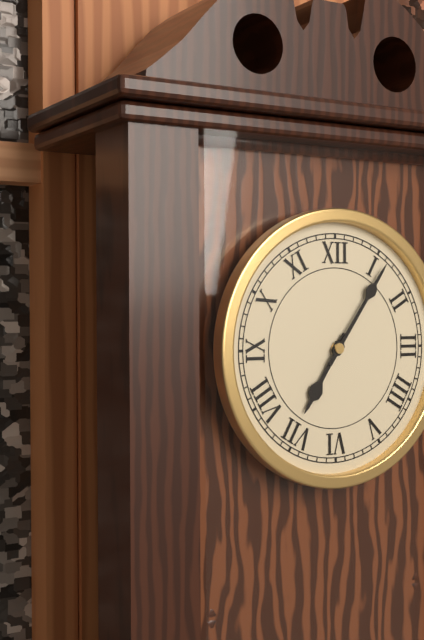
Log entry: {"hour": 7, "minute": 6}
